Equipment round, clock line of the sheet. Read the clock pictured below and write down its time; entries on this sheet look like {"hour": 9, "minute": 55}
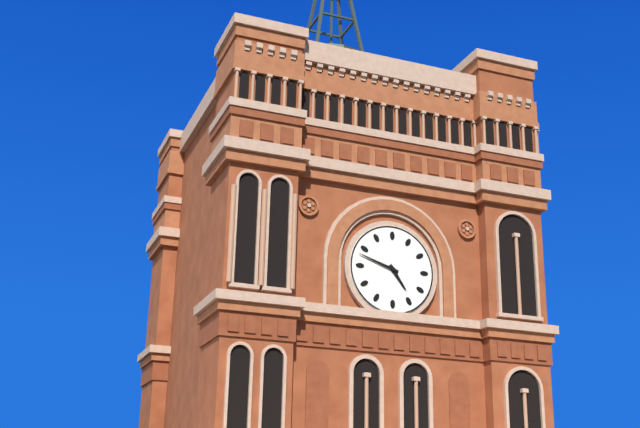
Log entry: {"hour": 4, "minute": 48}
